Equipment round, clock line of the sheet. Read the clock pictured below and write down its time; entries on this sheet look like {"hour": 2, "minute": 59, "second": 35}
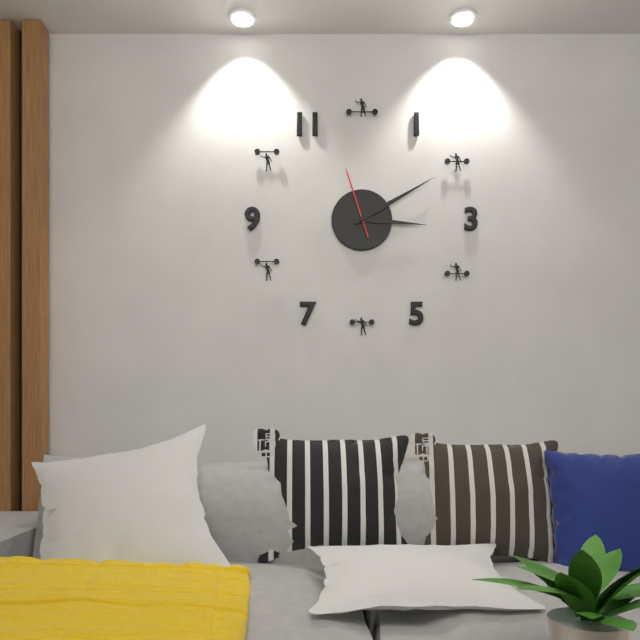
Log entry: {"hour": 3, "minute": 10, "second": 57}
